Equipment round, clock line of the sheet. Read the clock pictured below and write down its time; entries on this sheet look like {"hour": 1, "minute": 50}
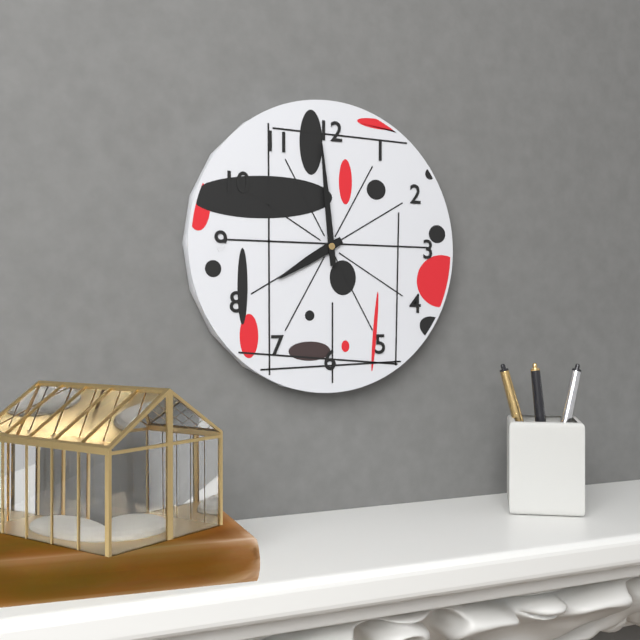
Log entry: {"hour": 7, "minute": 59}
